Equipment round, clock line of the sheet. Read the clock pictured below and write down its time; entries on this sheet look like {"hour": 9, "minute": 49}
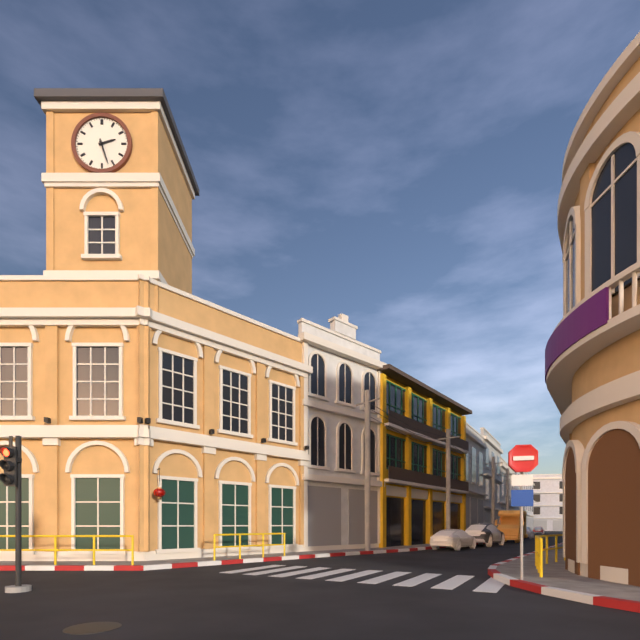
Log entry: {"hour": 2, "minute": 27}
